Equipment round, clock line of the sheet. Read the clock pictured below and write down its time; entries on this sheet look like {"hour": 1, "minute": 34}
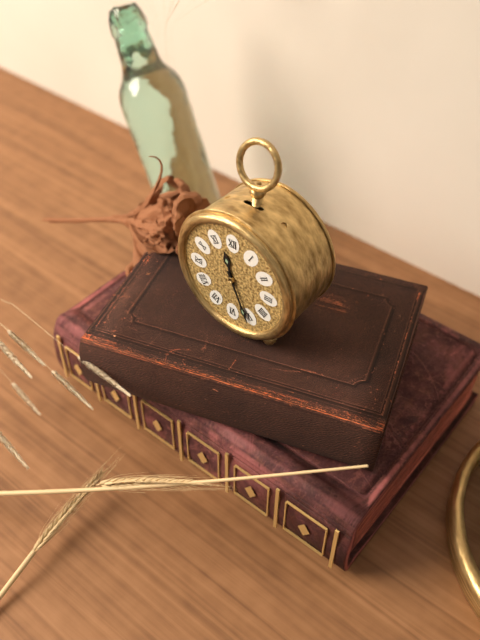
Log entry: {"hour": 11, "minute": 26}
